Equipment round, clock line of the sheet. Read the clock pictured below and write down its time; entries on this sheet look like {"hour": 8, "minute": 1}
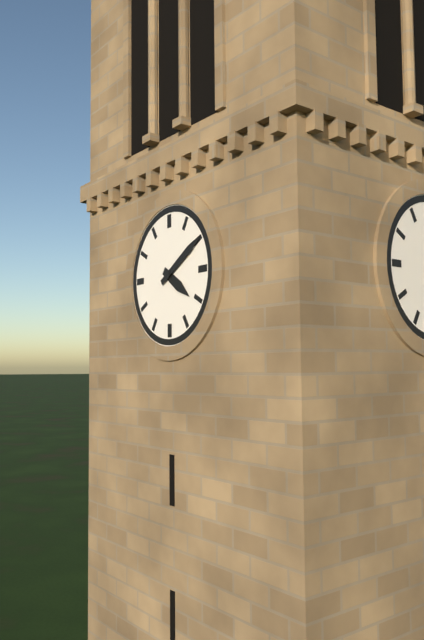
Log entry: {"hour": 4, "minute": 10}
